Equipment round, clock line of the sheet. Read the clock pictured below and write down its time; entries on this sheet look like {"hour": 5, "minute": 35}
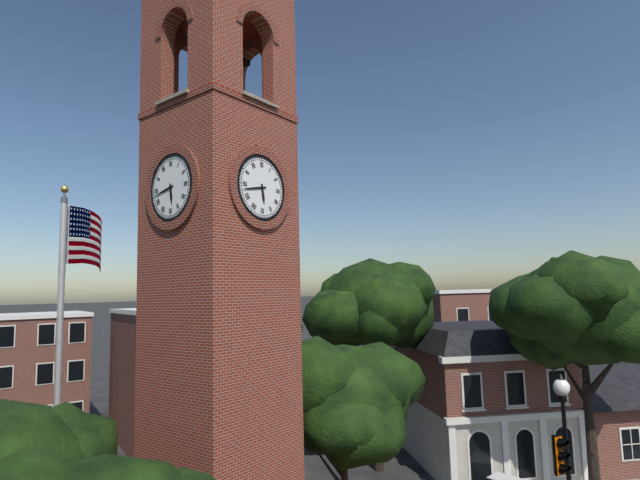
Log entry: {"hour": 5, "minute": 43}
